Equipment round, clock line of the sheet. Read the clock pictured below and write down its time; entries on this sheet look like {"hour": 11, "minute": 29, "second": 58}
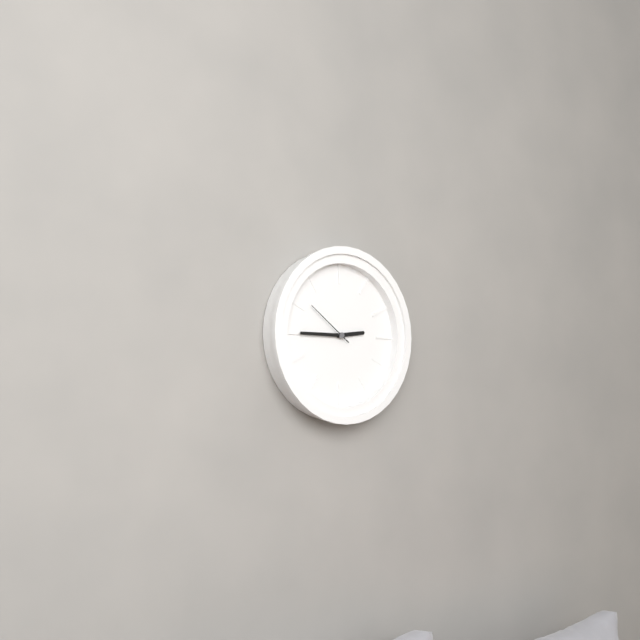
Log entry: {"hour": 2, "minute": 45, "second": 51}
